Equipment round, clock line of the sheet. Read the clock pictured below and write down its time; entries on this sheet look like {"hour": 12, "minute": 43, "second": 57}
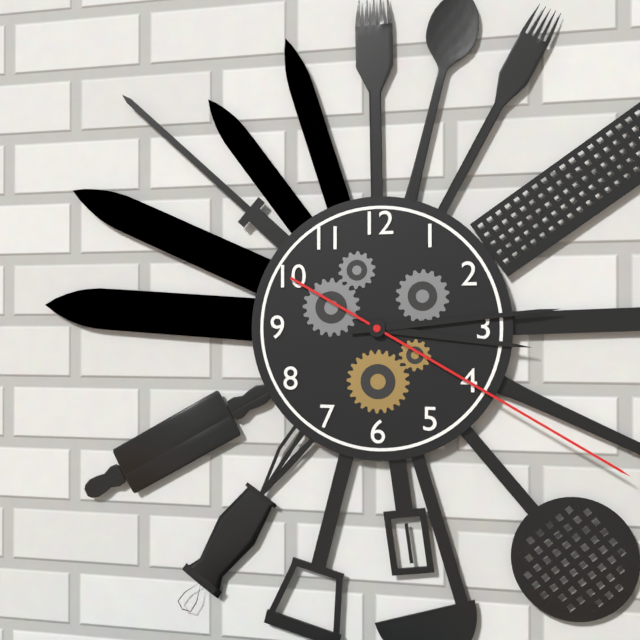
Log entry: {"hour": 3, "minute": 14, "second": 20}
